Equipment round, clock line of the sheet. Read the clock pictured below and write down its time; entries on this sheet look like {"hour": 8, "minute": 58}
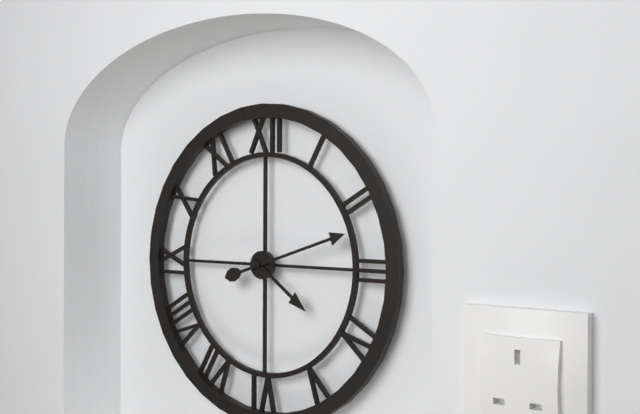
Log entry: {"hour": 4, "minute": 12}
